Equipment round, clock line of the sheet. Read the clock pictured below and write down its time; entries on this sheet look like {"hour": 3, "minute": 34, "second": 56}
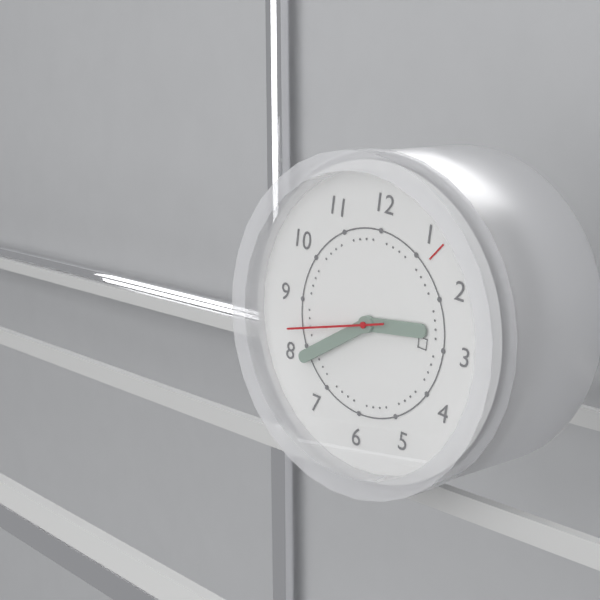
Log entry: {"hour": 2, "minute": 39, "second": 42}
